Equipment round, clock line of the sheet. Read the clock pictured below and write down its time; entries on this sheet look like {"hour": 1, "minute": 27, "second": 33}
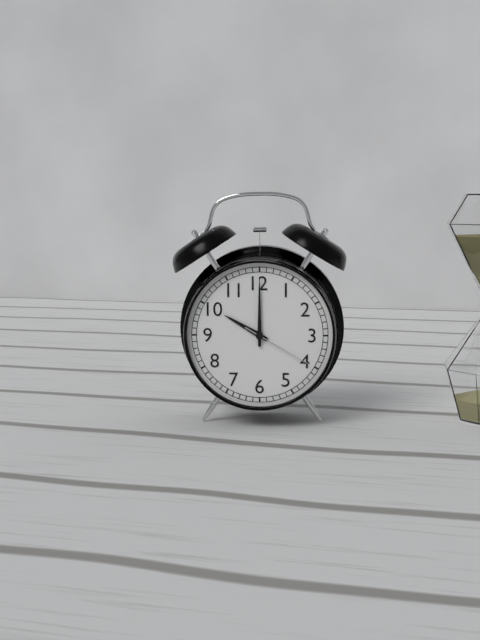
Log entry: {"hour": 10, "minute": 0, "second": 20}
